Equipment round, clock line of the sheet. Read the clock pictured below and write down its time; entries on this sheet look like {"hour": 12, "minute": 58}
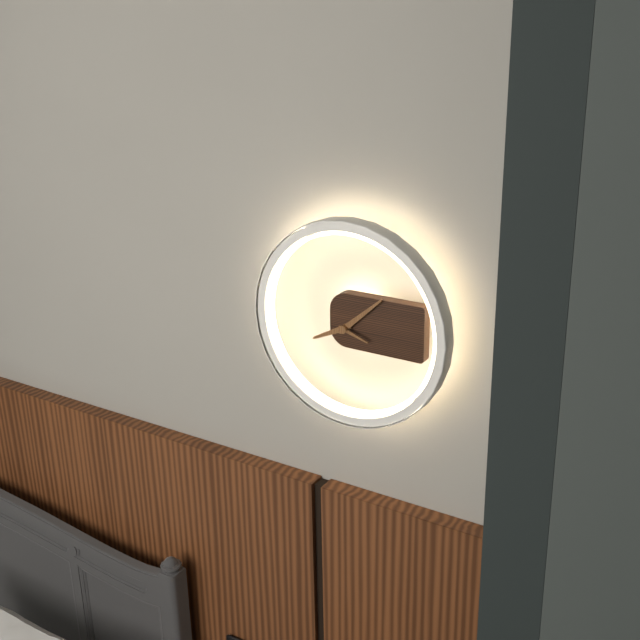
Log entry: {"hour": 8, "minute": 8}
